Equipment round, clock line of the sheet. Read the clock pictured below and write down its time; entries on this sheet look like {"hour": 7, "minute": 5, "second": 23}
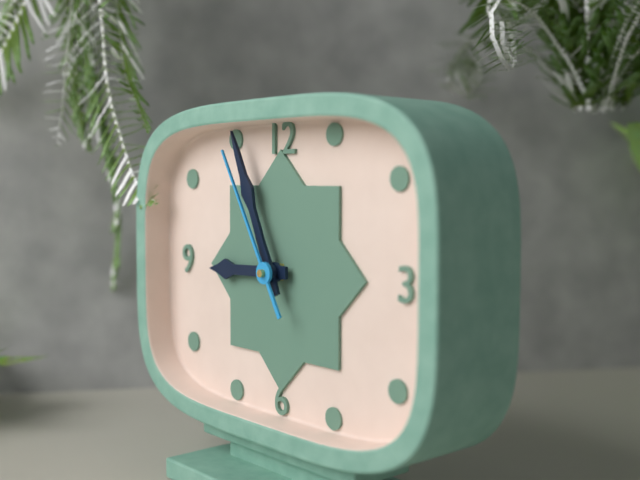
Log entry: {"hour": 8, "minute": 56, "second": 55}
